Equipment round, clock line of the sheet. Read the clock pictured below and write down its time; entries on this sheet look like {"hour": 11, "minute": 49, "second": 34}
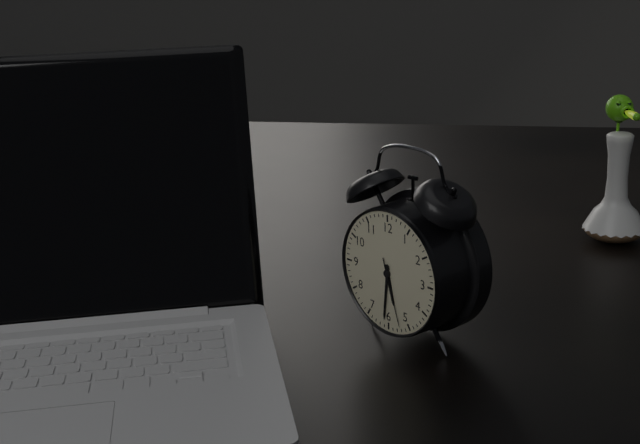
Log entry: {"hour": 5, "minute": 31, "second": 27}
